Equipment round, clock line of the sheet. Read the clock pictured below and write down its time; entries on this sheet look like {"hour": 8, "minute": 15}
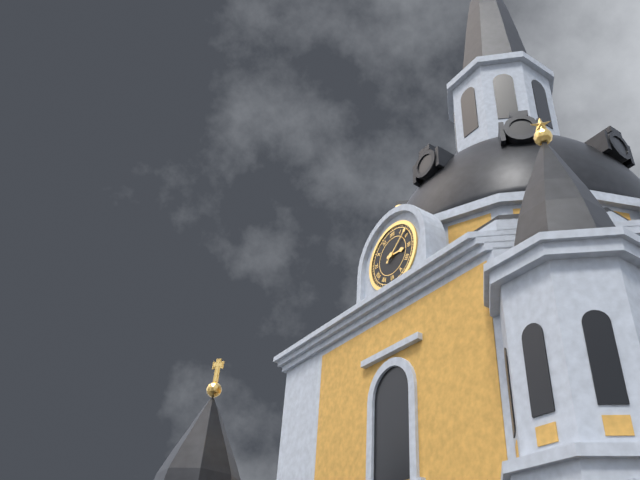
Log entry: {"hour": 3, "minute": 8}
